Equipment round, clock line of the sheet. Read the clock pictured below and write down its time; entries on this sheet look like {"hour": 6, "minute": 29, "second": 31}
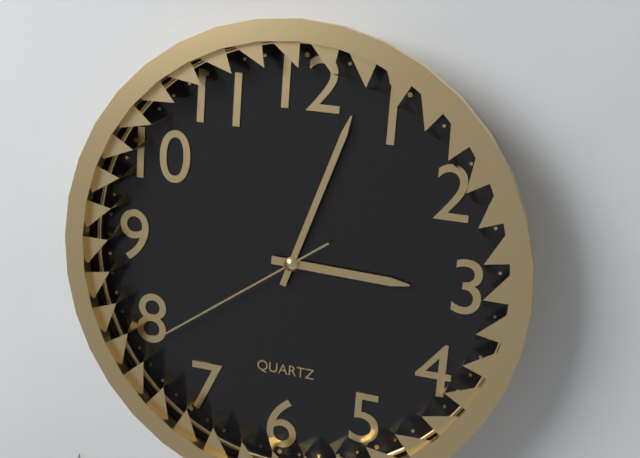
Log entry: {"hour": 3, "minute": 3, "second": 39}
